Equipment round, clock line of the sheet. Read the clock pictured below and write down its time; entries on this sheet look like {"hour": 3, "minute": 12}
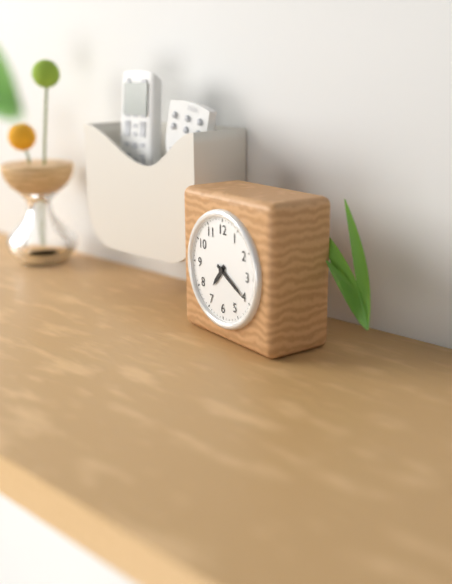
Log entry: {"hour": 7, "minute": 20}
